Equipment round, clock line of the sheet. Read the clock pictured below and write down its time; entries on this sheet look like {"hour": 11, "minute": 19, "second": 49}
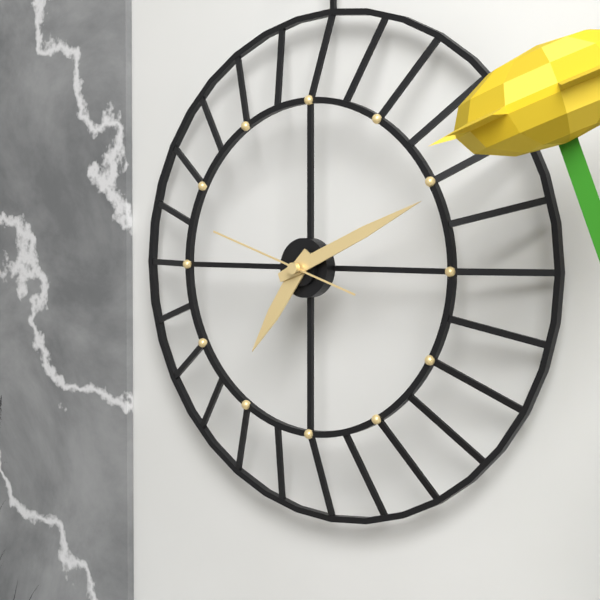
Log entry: {"hour": 7, "minute": 11, "second": 48}
